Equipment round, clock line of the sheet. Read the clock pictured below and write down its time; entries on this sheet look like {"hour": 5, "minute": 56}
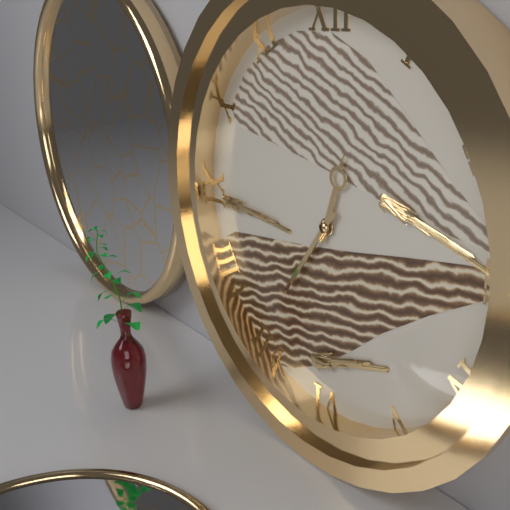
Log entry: {"hour": 12, "minute": 36}
